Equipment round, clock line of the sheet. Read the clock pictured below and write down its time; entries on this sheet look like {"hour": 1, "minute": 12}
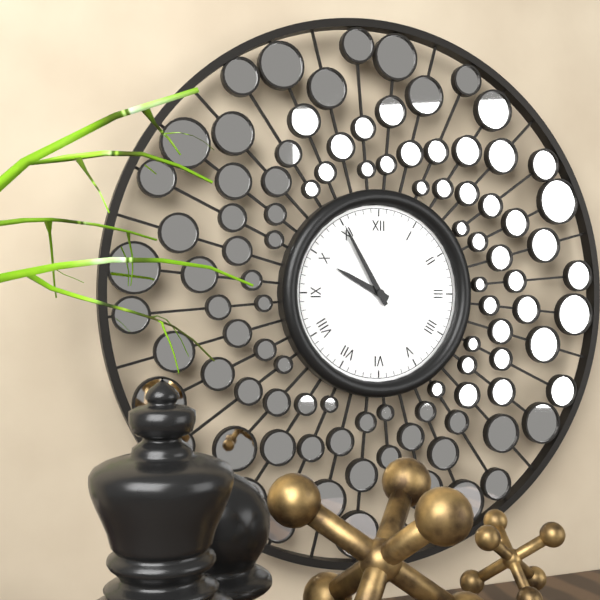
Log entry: {"hour": 9, "minute": 55}
